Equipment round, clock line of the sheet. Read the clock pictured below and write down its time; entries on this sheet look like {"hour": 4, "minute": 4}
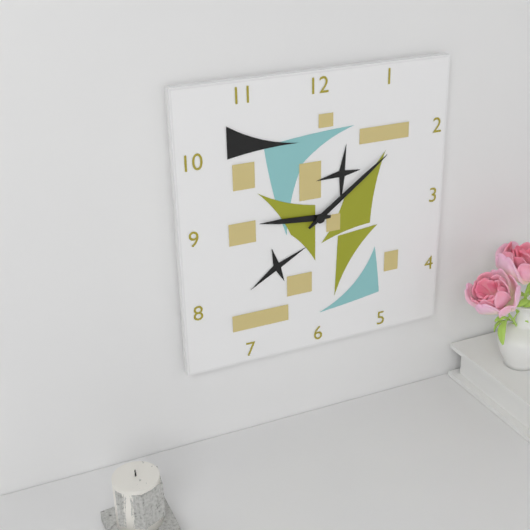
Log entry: {"hour": 9, "minute": 9}
